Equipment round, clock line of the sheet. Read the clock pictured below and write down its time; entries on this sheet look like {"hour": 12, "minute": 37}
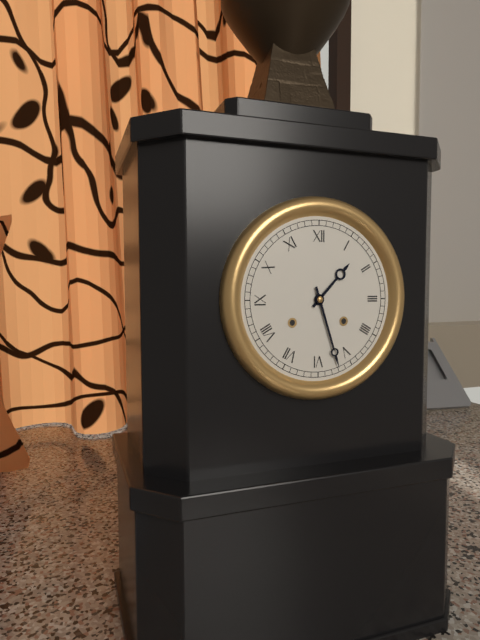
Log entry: {"hour": 1, "minute": 27}
